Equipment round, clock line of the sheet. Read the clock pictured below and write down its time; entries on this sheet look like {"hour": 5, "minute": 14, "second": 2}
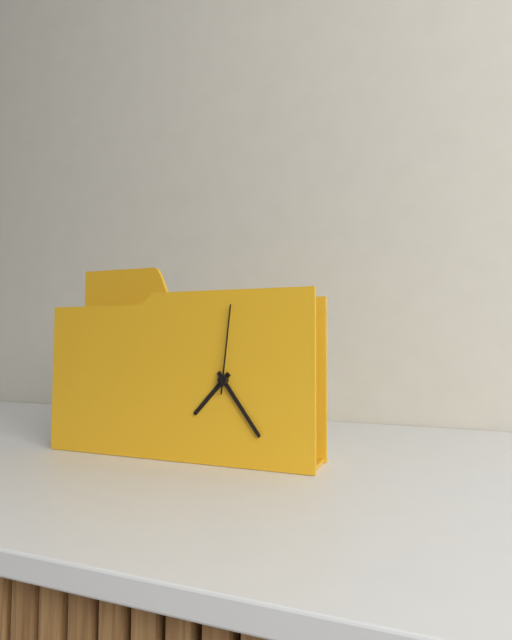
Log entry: {"hour": 7, "minute": 24, "second": 1}
